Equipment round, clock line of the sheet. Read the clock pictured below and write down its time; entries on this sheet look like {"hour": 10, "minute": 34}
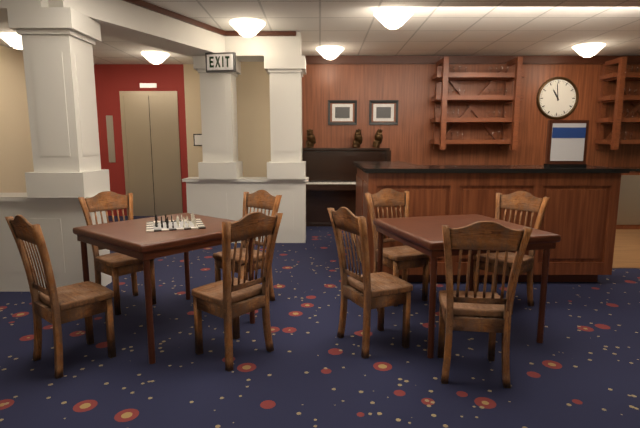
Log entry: {"hour": 10, "minute": 59}
